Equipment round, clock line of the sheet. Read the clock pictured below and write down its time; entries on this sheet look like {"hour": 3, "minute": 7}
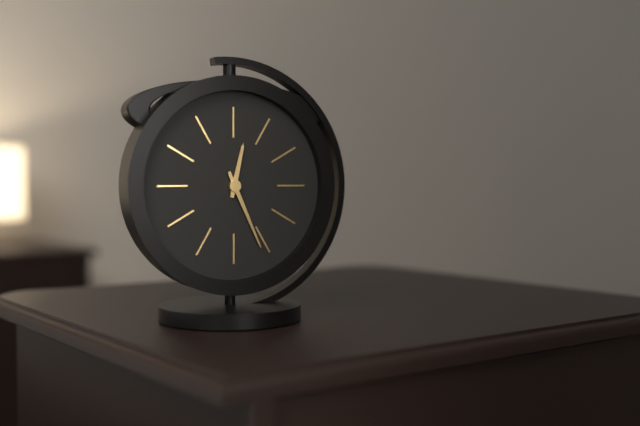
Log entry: {"hour": 12, "minute": 26}
